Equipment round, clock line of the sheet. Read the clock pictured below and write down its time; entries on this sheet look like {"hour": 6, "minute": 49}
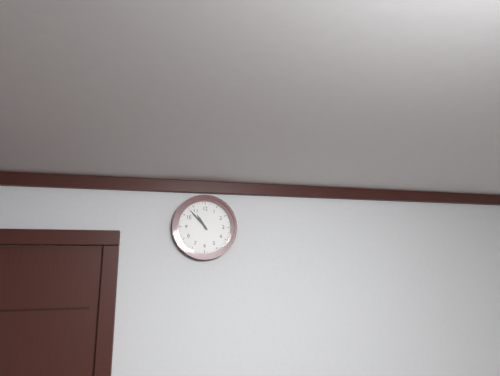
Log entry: {"hour": 10, "minute": 53}
